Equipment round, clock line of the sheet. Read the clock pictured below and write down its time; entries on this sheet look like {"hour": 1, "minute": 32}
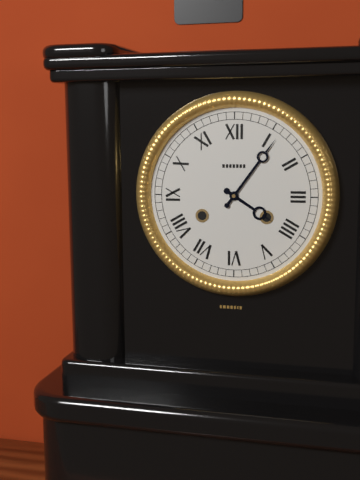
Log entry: {"hour": 4, "minute": 6}
